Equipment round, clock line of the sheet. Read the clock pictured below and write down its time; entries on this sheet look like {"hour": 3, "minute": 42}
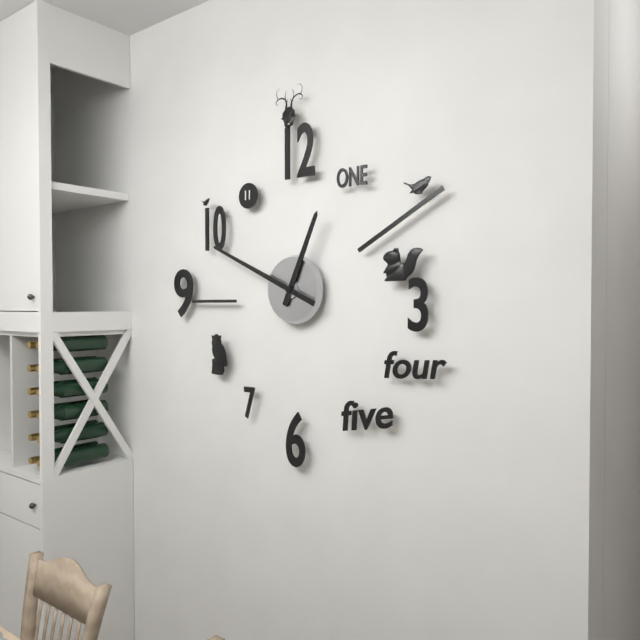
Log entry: {"hour": 12, "minute": 49}
